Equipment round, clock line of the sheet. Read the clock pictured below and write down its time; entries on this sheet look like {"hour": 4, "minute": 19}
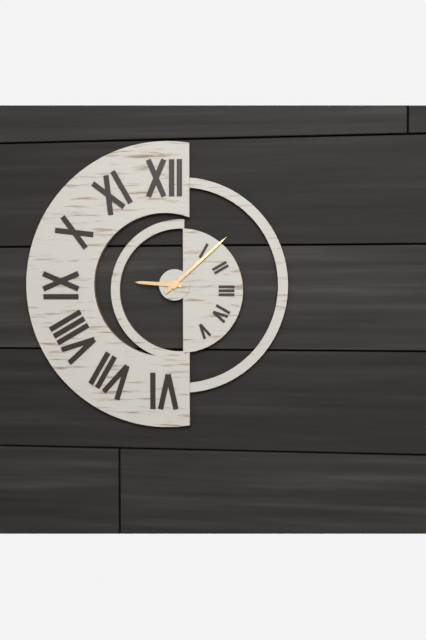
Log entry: {"hour": 9, "minute": 8}
